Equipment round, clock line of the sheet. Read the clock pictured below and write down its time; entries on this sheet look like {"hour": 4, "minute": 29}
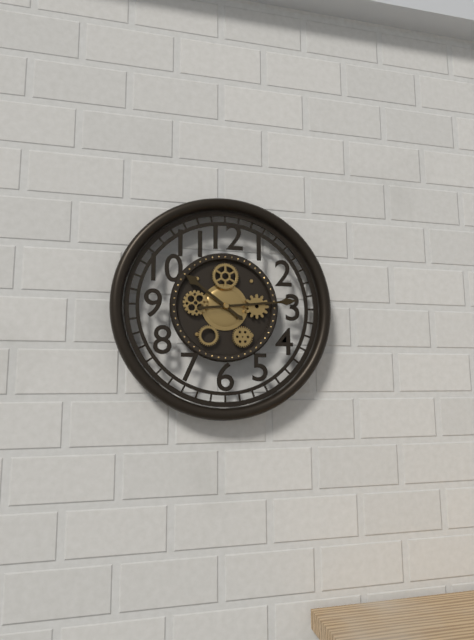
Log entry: {"hour": 10, "minute": 14}
